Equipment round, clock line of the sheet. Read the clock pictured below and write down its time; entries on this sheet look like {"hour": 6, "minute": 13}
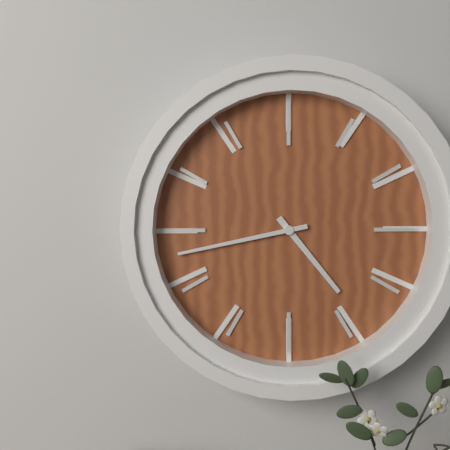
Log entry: {"hour": 4, "minute": 43}
